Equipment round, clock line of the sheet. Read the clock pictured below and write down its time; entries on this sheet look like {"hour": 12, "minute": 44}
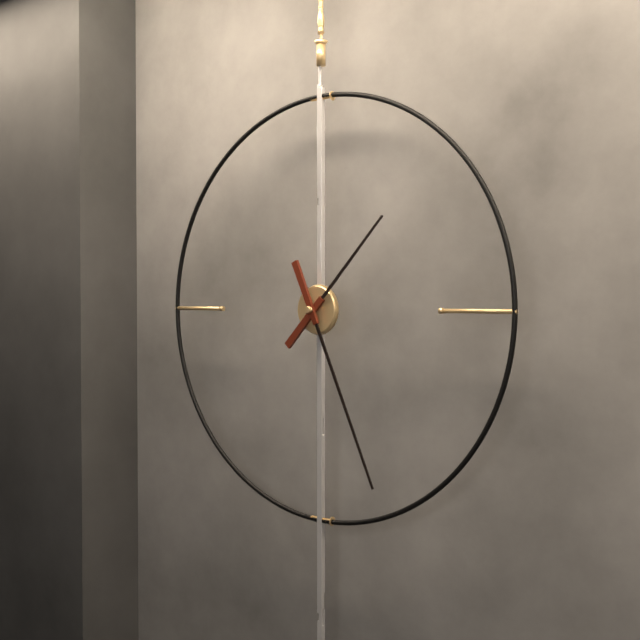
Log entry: {"hour": 1, "minute": 26}
